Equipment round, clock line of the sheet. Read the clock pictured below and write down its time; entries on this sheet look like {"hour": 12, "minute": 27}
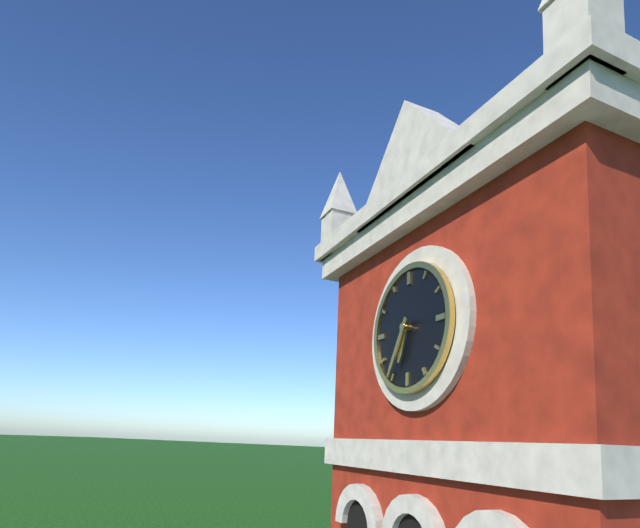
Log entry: {"hour": 6, "minute": 35}
